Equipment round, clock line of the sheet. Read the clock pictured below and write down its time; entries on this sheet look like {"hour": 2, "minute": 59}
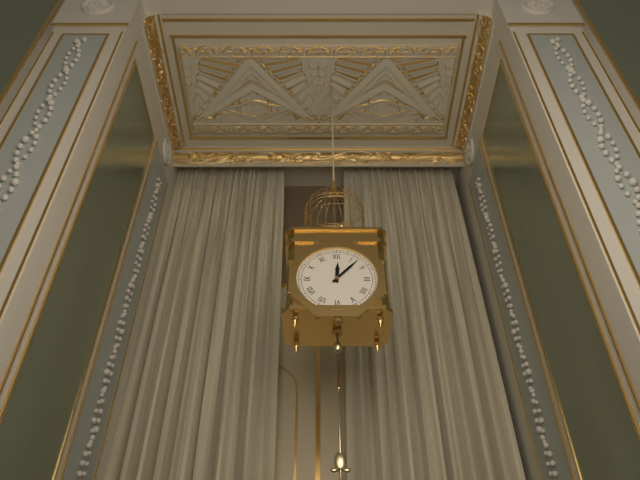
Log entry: {"hour": 12, "minute": 7}
